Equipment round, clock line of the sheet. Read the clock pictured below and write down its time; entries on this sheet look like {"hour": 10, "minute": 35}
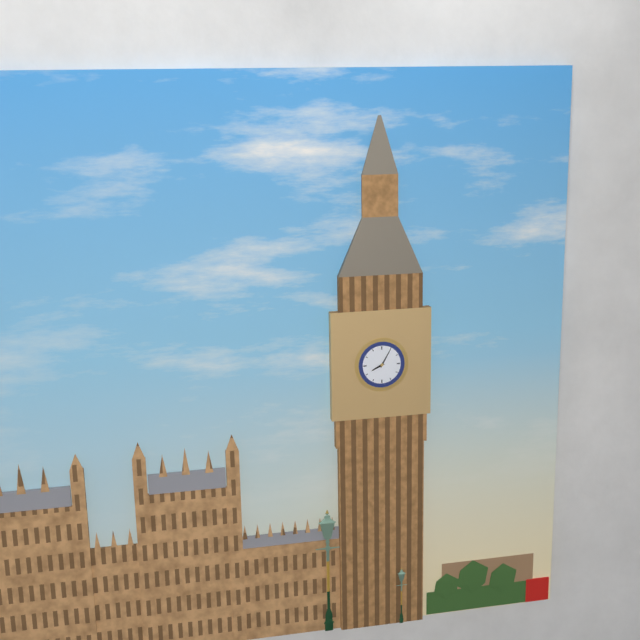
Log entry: {"hour": 8, "minute": 5}
